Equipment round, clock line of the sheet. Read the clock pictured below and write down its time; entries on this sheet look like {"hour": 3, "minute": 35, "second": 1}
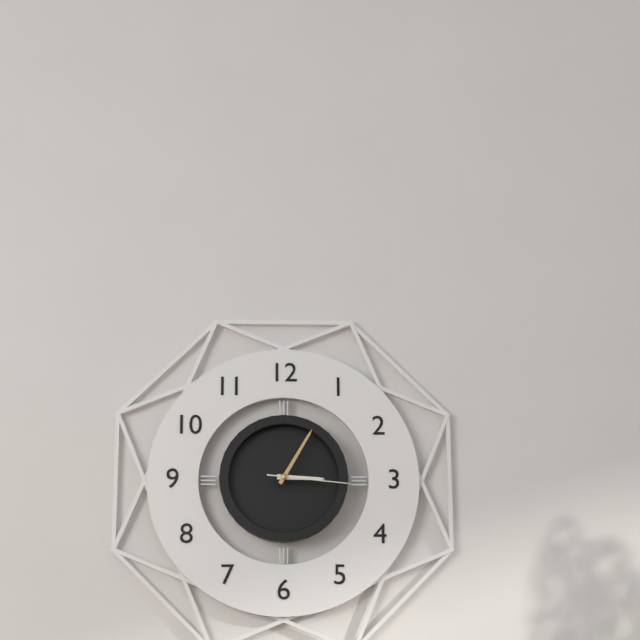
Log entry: {"hour": 3, "minute": 5, "second": 16}
